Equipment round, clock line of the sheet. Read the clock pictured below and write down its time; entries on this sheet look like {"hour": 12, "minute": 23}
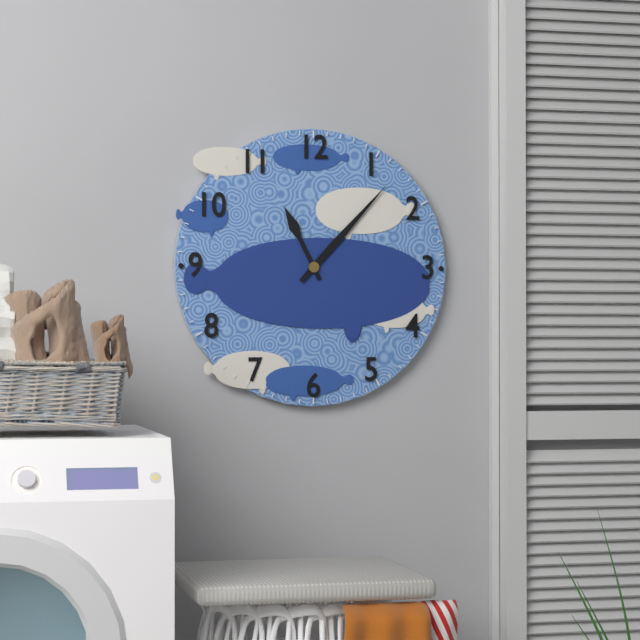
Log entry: {"hour": 11, "minute": 7}
